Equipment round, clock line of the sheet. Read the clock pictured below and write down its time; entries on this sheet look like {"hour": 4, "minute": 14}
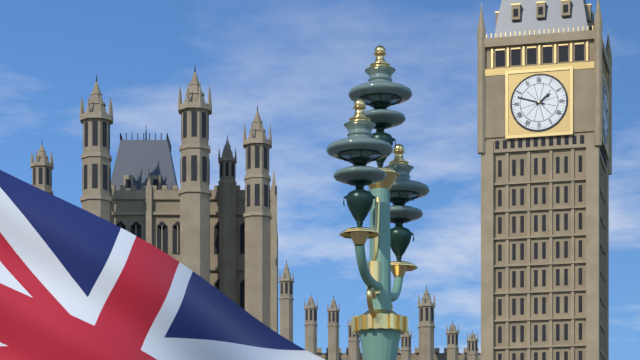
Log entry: {"hour": 1, "minute": 48}
